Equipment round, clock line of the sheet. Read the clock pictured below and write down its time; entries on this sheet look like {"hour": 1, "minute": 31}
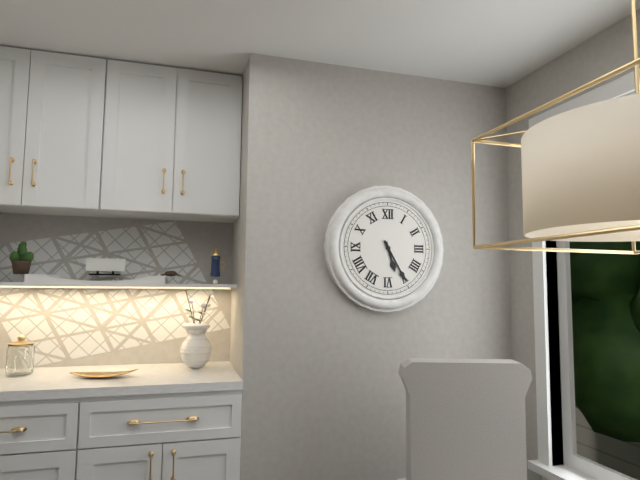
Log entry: {"hour": 5, "minute": 25}
